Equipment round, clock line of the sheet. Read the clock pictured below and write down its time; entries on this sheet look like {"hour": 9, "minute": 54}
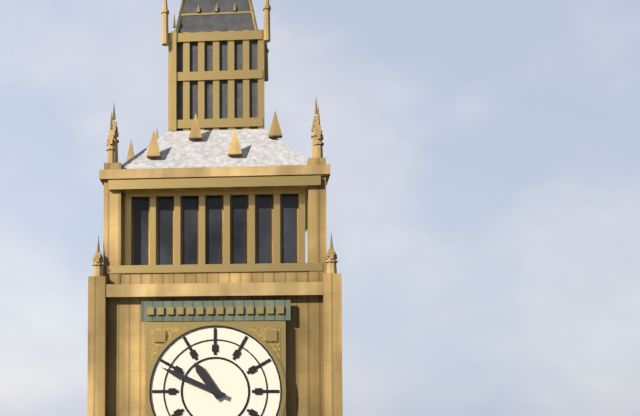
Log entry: {"hour": 10, "minute": 49}
